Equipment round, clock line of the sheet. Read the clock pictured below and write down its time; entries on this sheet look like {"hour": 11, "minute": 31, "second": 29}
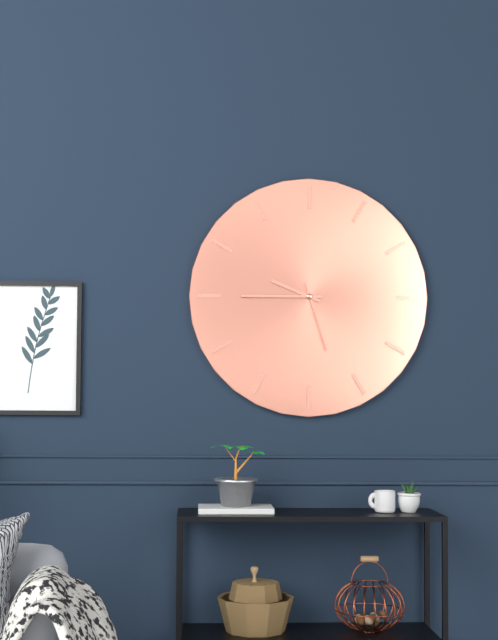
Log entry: {"hour": 9, "minute": 45, "second": 27}
